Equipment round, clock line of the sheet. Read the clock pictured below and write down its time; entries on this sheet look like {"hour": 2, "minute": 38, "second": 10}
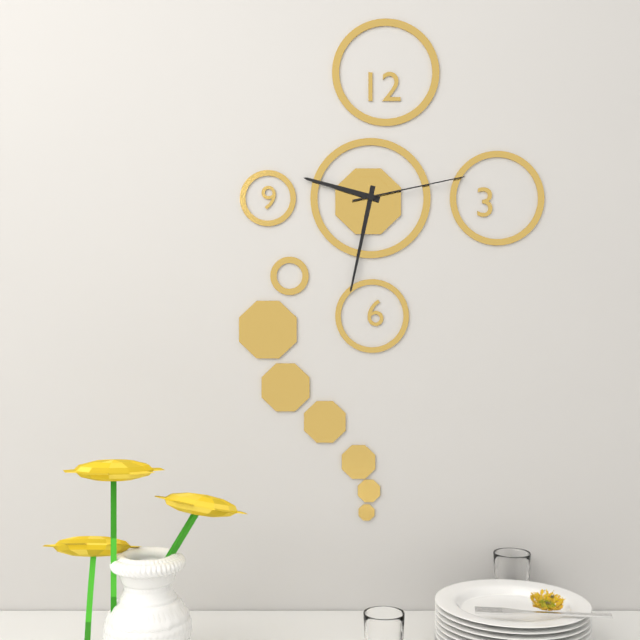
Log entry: {"hour": 9, "minute": 32, "second": 13}
